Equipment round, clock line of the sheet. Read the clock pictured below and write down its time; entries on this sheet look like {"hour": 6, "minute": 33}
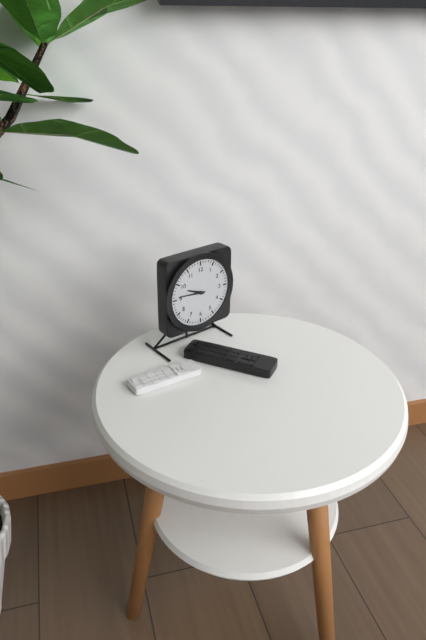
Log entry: {"hour": 9, "minute": 46}
